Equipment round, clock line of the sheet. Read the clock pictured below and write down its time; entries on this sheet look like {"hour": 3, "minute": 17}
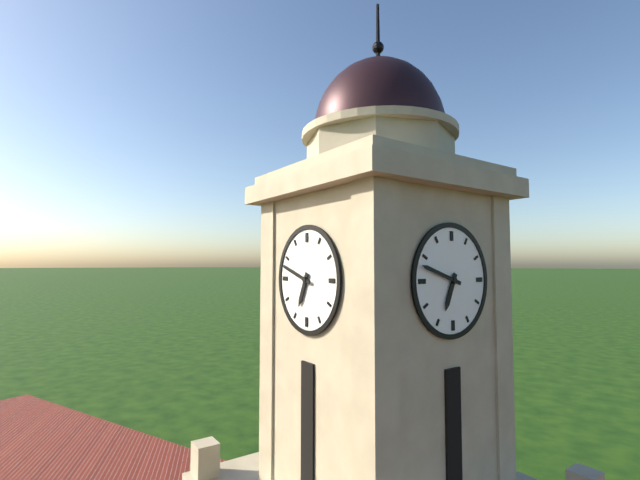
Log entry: {"hour": 6, "minute": 48}
